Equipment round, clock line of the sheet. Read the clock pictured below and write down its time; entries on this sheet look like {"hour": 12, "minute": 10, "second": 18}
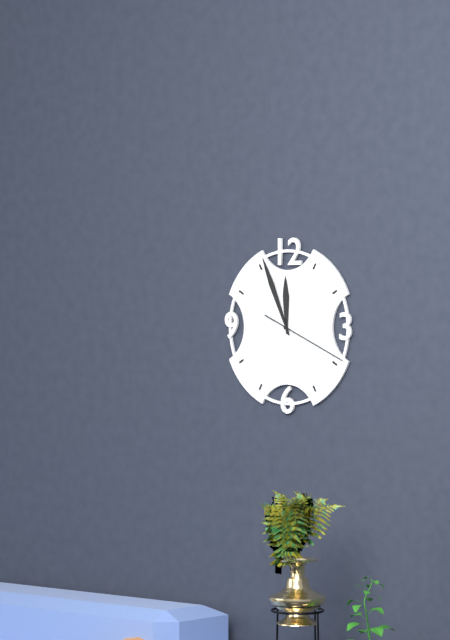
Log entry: {"hour": 11, "minute": 56, "second": 19}
